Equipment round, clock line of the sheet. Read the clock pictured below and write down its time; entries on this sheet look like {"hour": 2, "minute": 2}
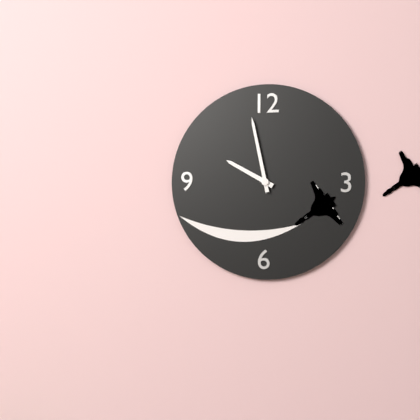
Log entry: {"hour": 9, "minute": 58}
